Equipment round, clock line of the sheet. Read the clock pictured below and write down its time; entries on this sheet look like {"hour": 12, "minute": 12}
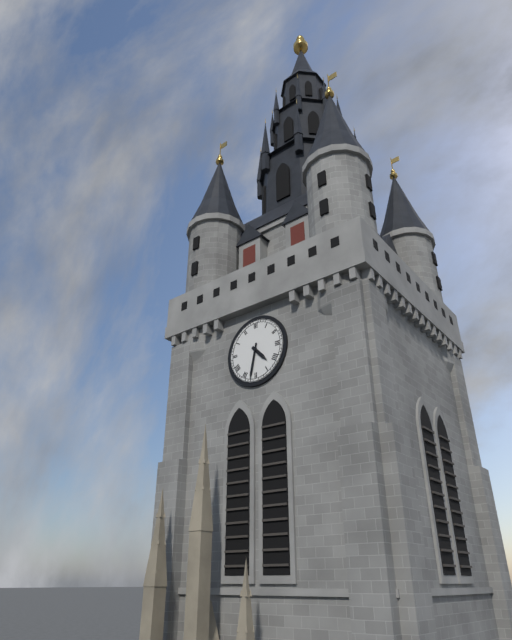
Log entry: {"hour": 4, "minute": 32}
